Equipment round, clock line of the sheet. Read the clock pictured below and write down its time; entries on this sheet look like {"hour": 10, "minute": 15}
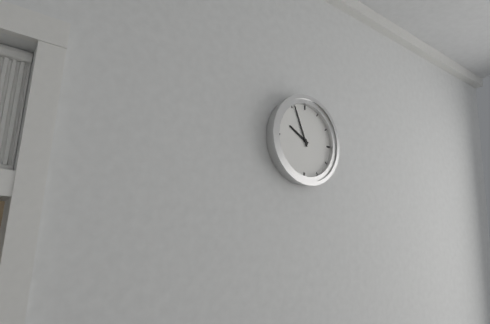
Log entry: {"hour": 9, "minute": 56}
